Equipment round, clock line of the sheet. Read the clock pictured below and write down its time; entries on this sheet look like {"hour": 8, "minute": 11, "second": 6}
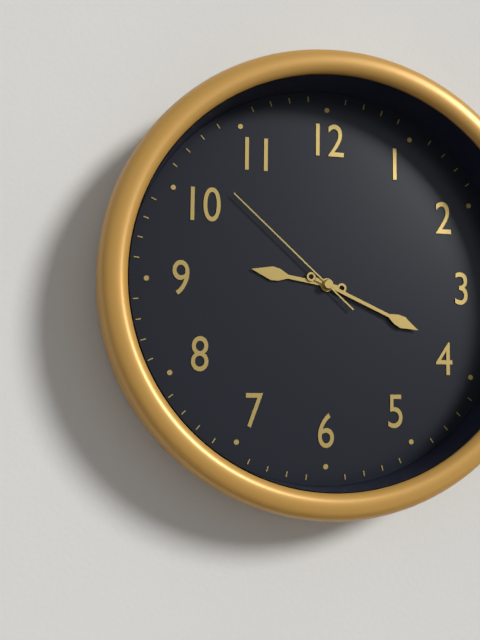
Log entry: {"hour": 9, "minute": 19, "second": 52}
